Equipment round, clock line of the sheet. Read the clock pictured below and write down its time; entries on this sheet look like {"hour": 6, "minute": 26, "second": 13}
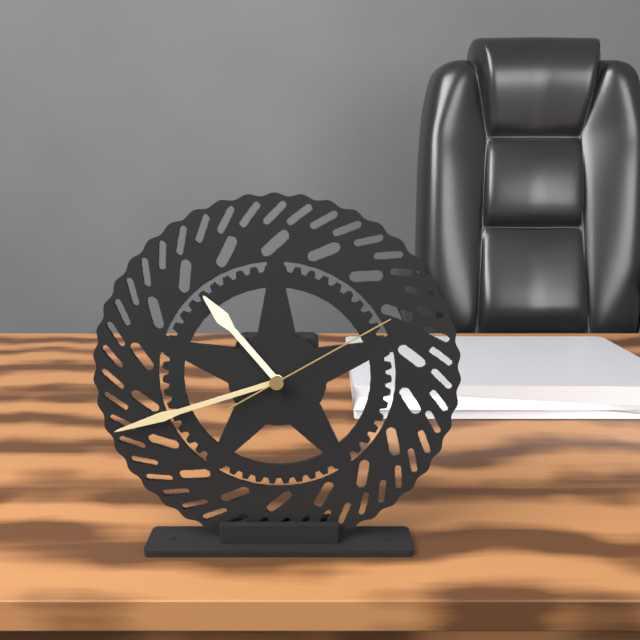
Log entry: {"hour": 10, "minute": 42, "second": 10}
